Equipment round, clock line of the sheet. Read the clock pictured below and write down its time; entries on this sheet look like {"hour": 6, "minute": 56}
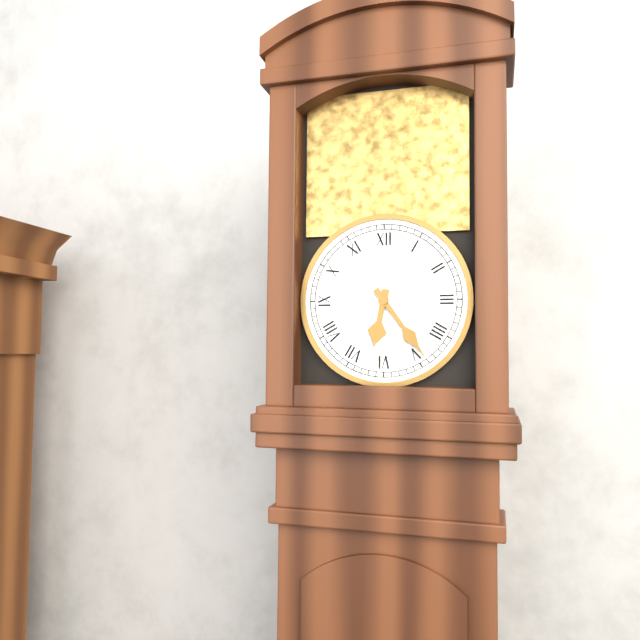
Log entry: {"hour": 6, "minute": 24}
